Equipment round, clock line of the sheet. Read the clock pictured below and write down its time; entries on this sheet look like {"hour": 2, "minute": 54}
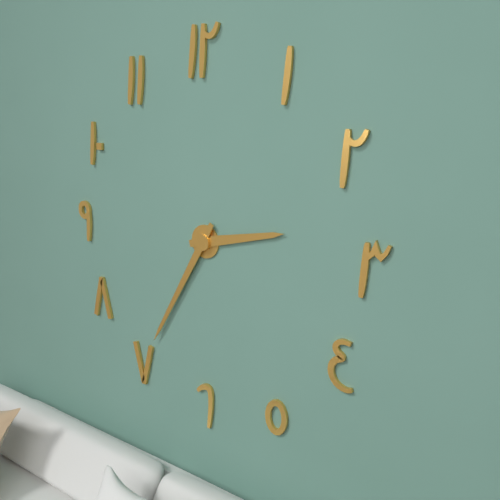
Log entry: {"hour": 2, "minute": 35}
